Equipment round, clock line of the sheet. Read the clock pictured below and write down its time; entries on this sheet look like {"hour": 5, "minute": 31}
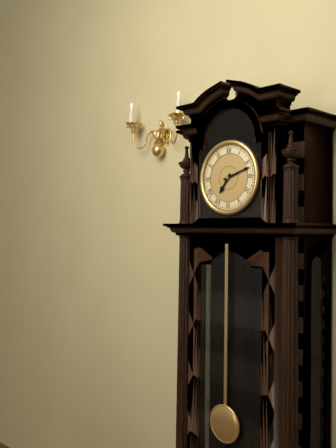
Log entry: {"hour": 7, "minute": 12}
